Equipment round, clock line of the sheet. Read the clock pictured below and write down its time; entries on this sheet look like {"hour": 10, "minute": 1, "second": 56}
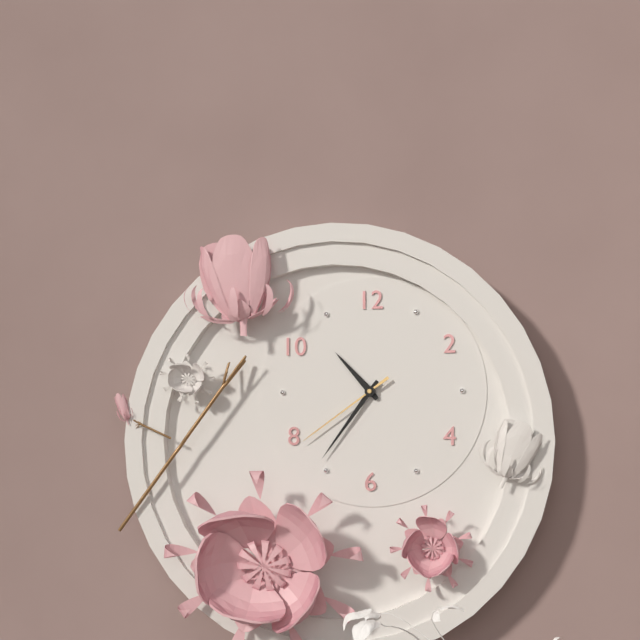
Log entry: {"hour": 10, "minute": 36, "second": 39}
